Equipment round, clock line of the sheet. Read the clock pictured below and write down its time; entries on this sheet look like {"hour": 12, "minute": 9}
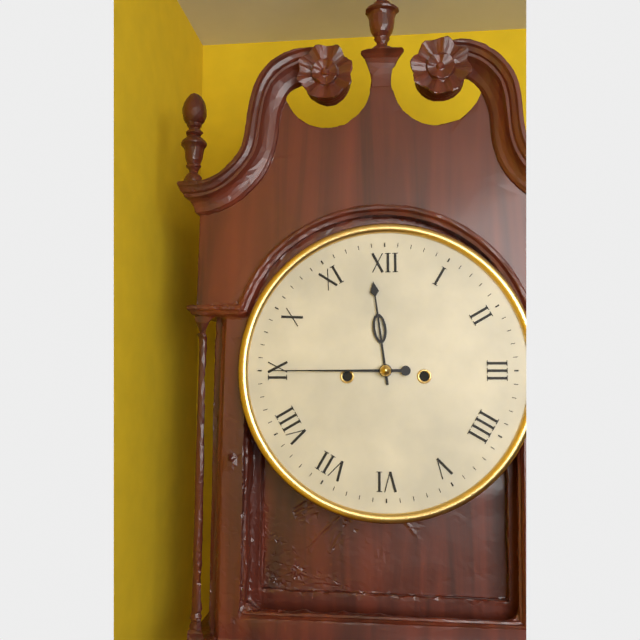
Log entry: {"hour": 11, "minute": 45}
